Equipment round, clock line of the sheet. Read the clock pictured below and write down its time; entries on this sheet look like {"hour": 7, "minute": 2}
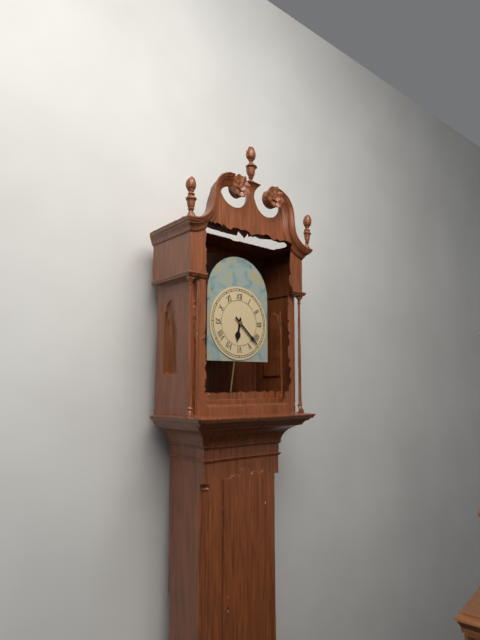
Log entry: {"hour": 6, "minute": 22}
